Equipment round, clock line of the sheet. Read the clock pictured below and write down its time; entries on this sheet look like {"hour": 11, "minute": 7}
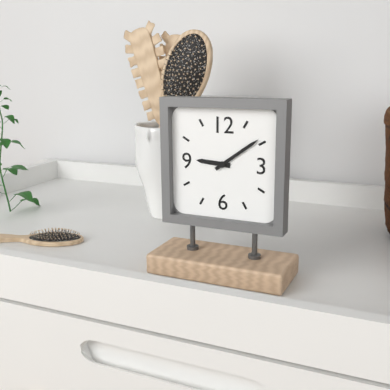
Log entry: {"hour": 9, "minute": 9}
